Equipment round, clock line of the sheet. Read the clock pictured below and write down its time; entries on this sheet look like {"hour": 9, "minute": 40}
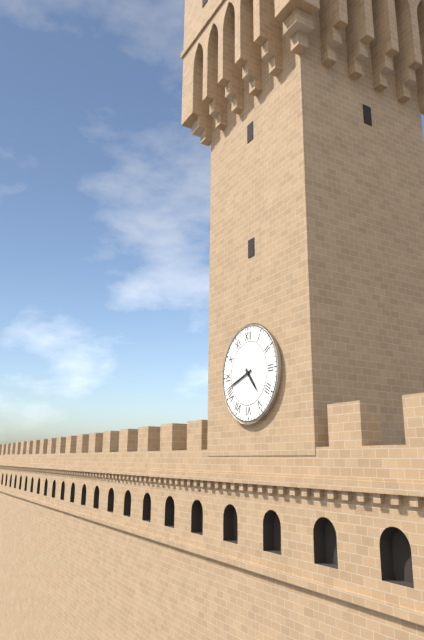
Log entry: {"hour": 4, "minute": 42}
